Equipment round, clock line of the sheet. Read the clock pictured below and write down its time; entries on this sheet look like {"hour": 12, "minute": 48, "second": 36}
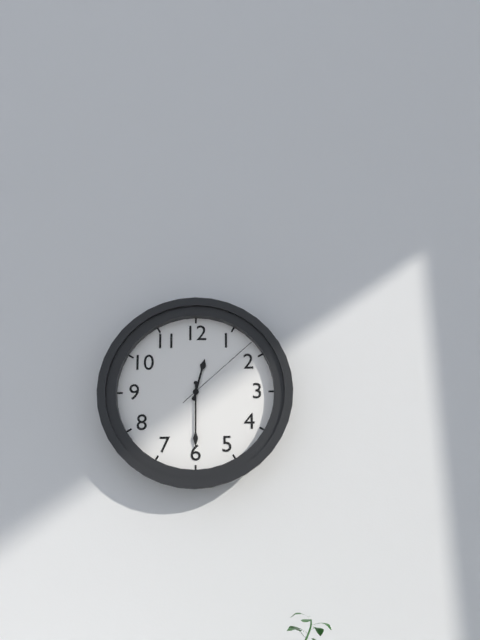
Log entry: {"hour": 12, "minute": 30, "second": 8}
